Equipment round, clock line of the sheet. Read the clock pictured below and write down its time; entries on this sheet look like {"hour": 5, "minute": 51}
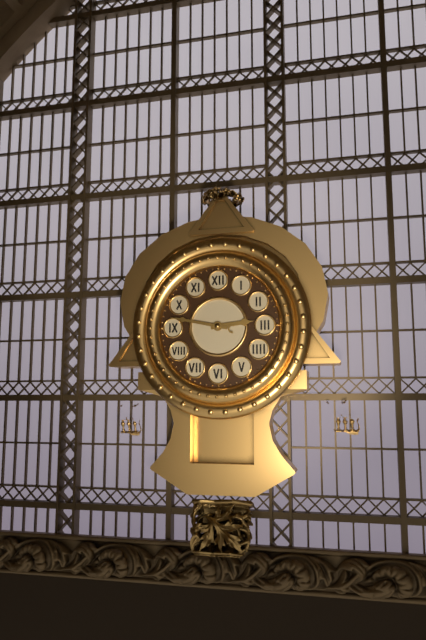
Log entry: {"hour": 2, "minute": 47}
